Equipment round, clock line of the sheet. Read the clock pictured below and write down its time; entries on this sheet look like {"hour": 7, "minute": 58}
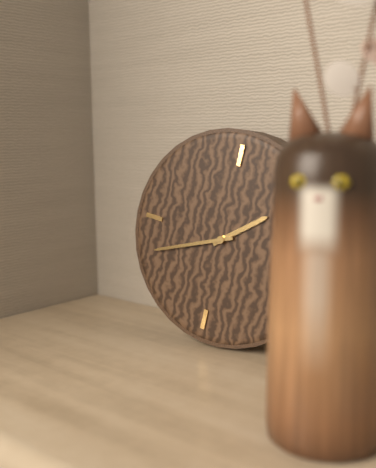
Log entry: {"hour": 1, "minute": 41}
